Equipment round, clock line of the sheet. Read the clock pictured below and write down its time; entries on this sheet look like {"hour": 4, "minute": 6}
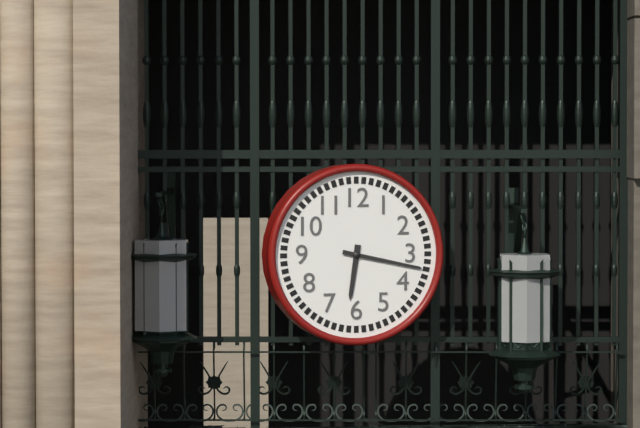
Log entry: {"hour": 6, "minute": 17}
